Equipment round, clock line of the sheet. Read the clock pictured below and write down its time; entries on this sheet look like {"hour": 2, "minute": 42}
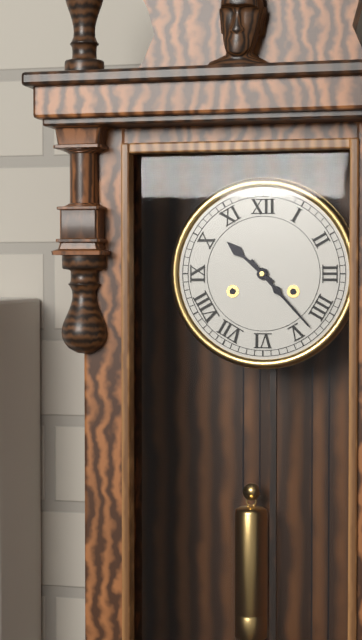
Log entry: {"hour": 10, "minute": 23}
